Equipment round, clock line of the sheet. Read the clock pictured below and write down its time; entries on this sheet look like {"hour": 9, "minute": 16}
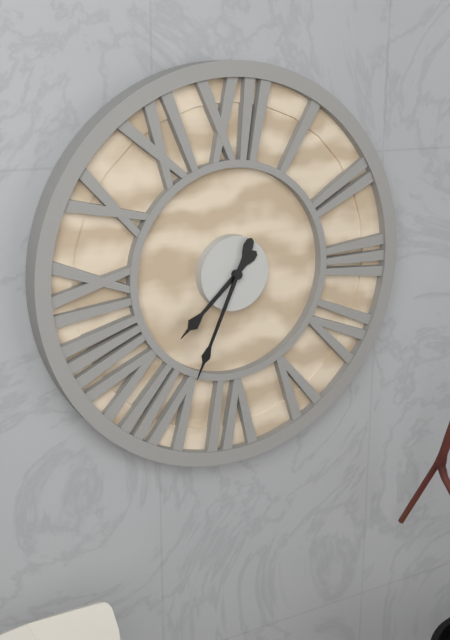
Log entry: {"hour": 7, "minute": 34}
